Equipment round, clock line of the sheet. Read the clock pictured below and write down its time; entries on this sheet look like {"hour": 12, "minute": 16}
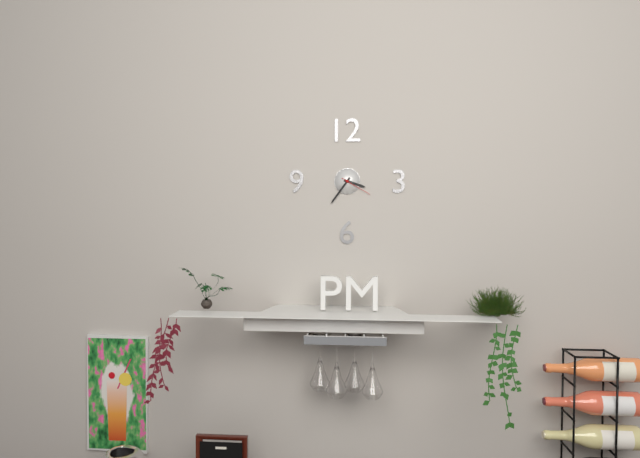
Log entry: {"hour": 3, "minute": 36}
